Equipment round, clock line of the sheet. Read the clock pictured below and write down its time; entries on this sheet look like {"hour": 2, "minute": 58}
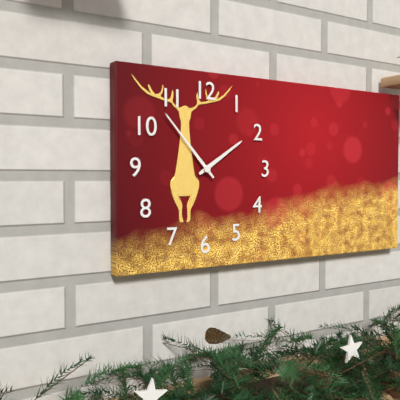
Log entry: {"hour": 1, "minute": 53}
